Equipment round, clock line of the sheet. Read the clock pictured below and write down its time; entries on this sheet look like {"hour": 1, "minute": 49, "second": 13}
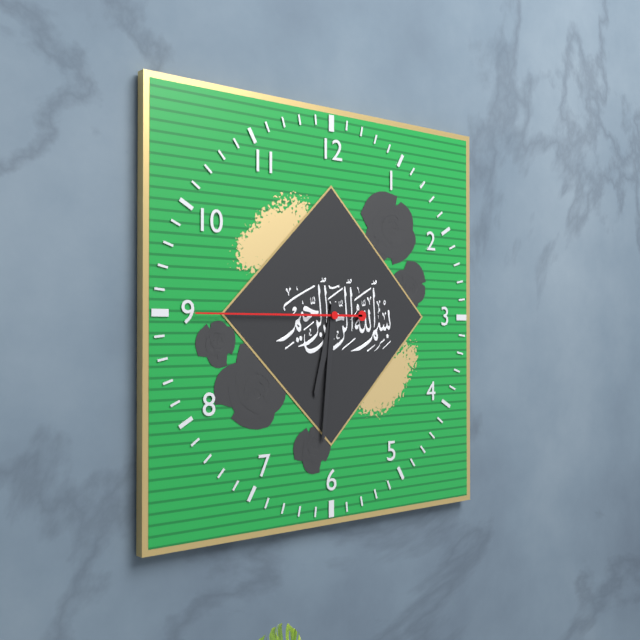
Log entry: {"hour": 6, "minute": 31, "second": 45}
